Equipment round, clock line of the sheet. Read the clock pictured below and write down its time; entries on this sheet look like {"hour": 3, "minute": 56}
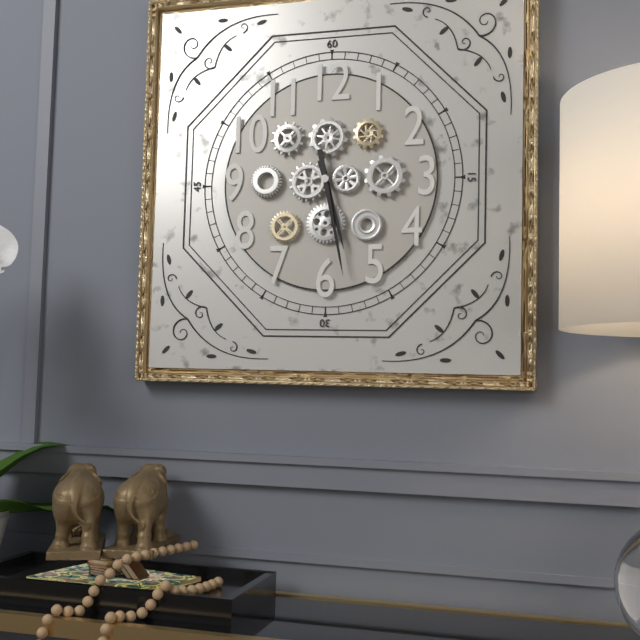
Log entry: {"hour": 5, "minute": 28}
